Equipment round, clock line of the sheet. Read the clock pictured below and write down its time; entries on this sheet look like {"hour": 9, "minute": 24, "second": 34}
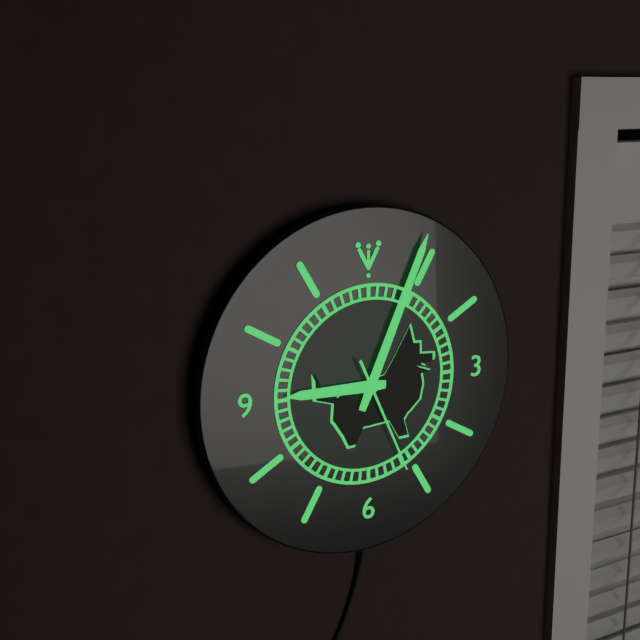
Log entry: {"hour": 9, "minute": 4, "second": 26}
